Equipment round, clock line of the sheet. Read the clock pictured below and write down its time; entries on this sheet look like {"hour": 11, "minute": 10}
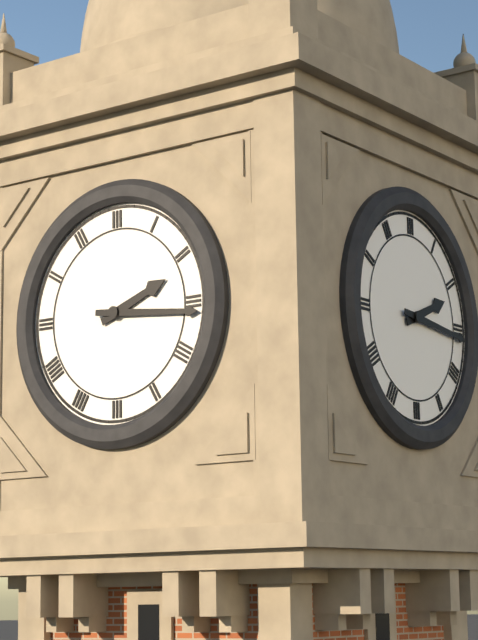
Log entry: {"hour": 2, "minute": 16}
